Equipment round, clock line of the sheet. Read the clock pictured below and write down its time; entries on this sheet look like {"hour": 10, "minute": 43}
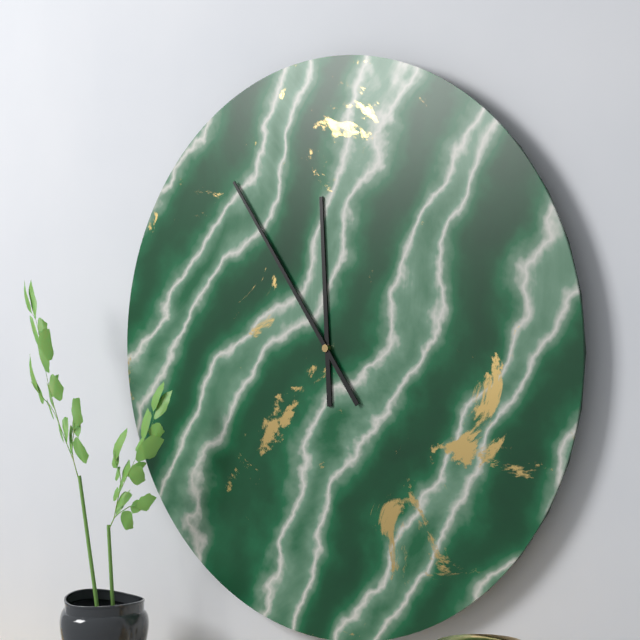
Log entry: {"hour": 11, "minute": 54}
